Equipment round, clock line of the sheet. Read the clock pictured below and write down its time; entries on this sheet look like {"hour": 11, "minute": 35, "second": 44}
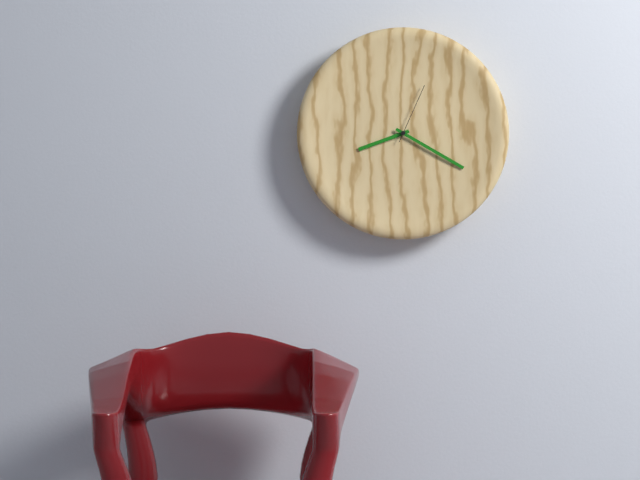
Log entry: {"hour": 8, "minute": 20, "second": 4}
